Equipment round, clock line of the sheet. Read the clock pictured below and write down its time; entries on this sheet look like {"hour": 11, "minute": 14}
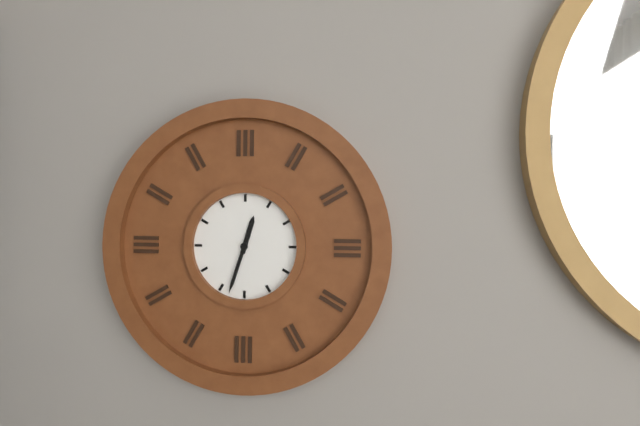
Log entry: {"hour": 12, "minute": 33}
